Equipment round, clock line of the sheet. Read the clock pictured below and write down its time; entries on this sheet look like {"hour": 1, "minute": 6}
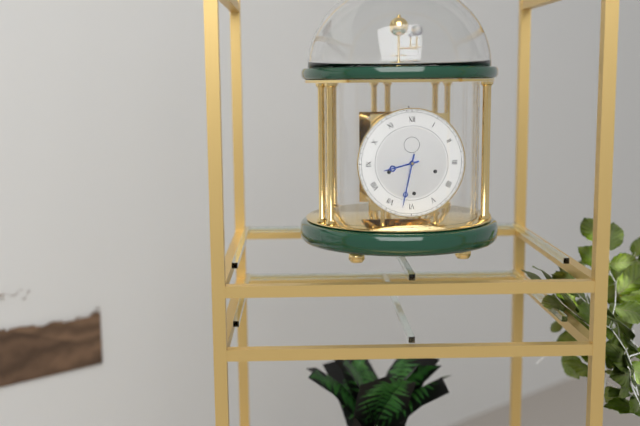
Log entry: {"hour": 8, "minute": 32}
